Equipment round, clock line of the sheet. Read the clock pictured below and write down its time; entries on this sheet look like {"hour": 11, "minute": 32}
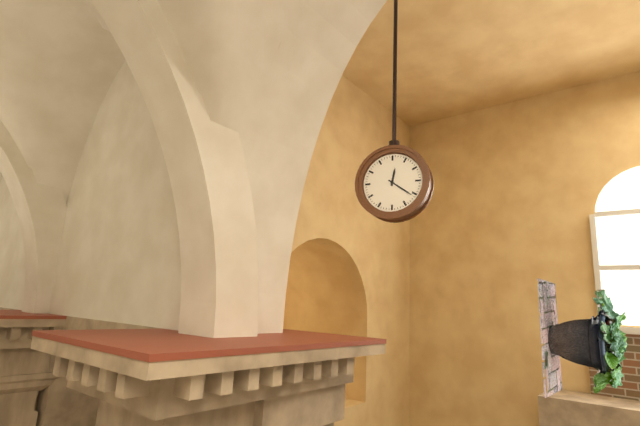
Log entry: {"hour": 12, "minute": 21}
